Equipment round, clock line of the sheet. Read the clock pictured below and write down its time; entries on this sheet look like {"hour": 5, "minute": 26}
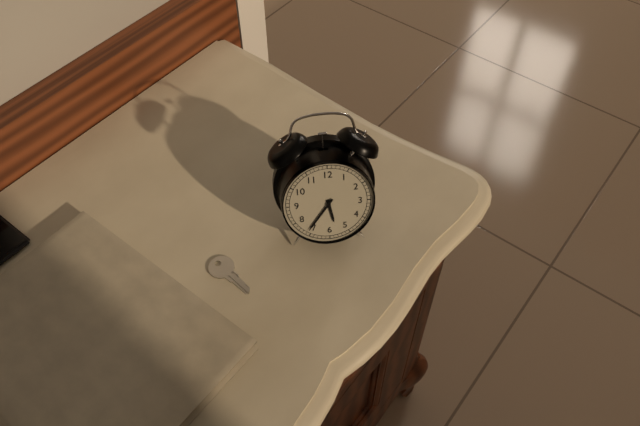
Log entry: {"hour": 5, "minute": 36}
